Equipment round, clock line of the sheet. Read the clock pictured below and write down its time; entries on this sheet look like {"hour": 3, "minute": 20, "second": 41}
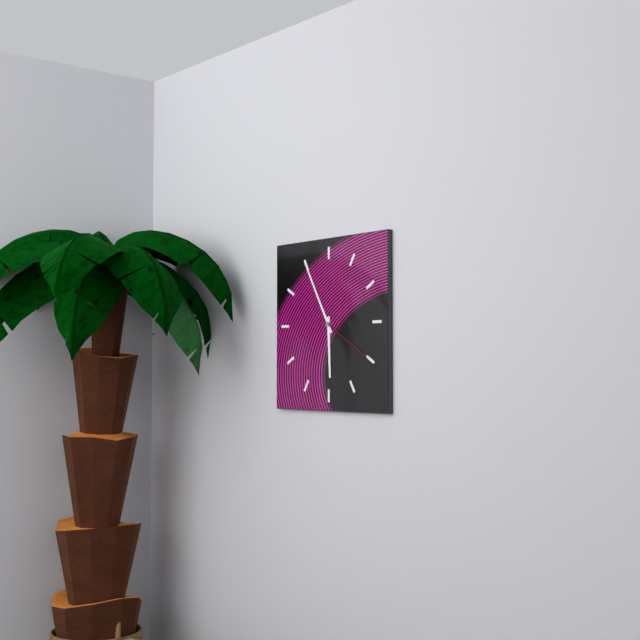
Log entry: {"hour": 5, "minute": 55, "second": 20}
